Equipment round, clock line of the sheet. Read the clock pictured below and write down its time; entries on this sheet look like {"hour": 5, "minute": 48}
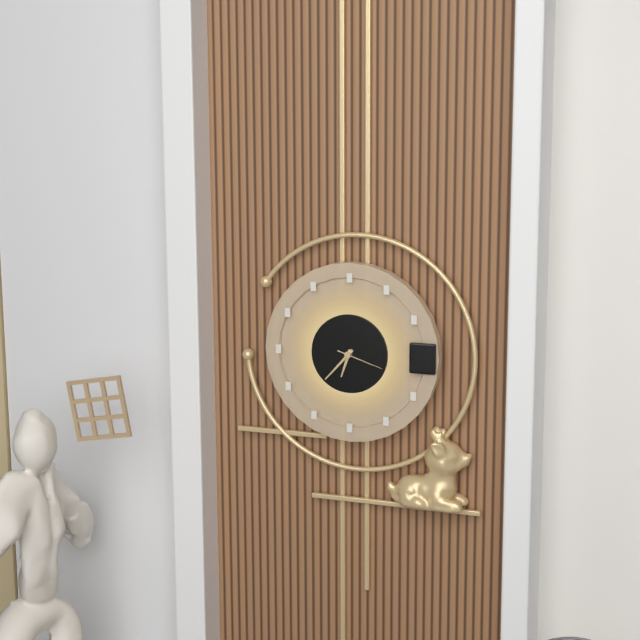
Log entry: {"hour": 6, "minute": 37}
